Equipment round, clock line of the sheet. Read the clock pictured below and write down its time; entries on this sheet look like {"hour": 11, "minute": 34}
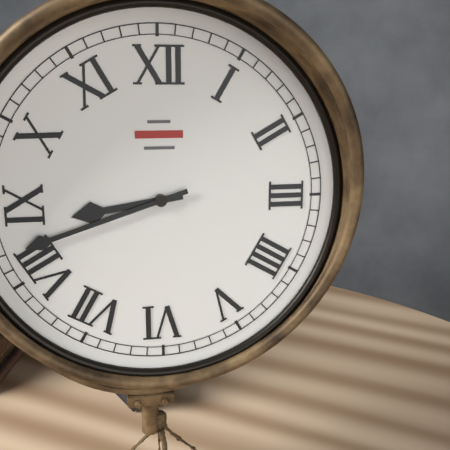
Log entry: {"hour": 8, "minute": 42}
